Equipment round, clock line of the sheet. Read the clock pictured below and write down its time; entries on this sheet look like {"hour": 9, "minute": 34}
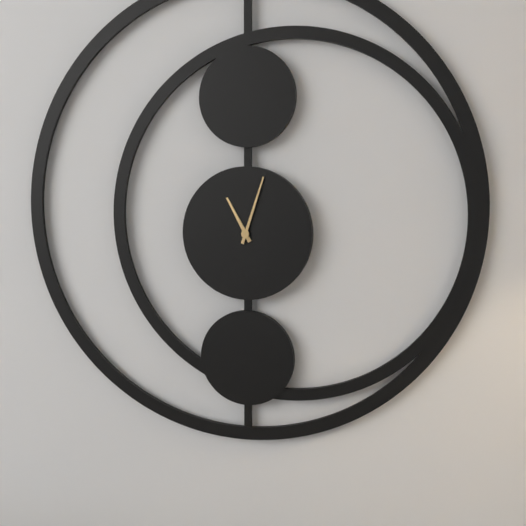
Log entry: {"hour": 11, "minute": 3}
